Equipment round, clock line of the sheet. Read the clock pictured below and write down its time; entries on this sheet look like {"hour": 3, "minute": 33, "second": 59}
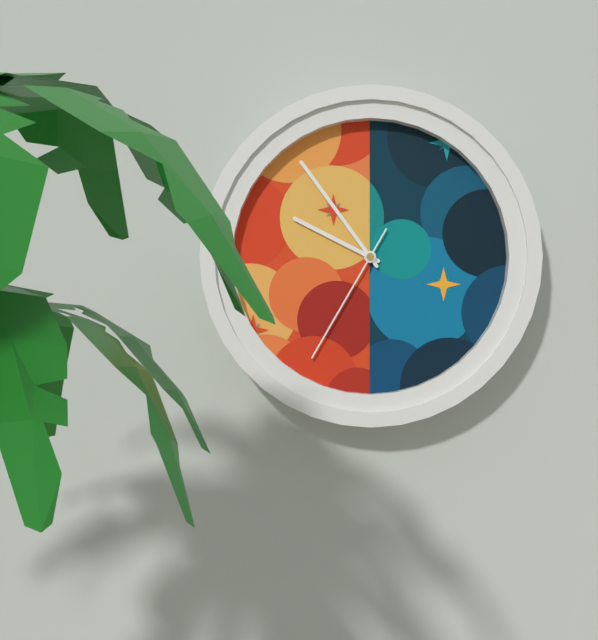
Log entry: {"hour": 9, "minute": 54, "second": 35}
